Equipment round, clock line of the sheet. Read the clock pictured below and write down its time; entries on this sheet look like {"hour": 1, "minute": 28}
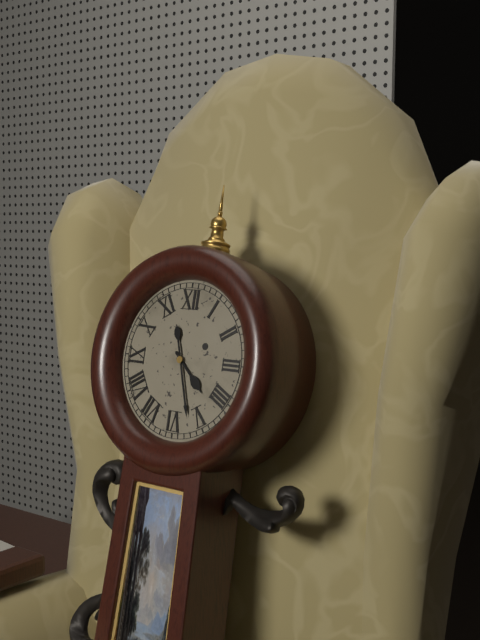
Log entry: {"hour": 4, "minute": 27}
